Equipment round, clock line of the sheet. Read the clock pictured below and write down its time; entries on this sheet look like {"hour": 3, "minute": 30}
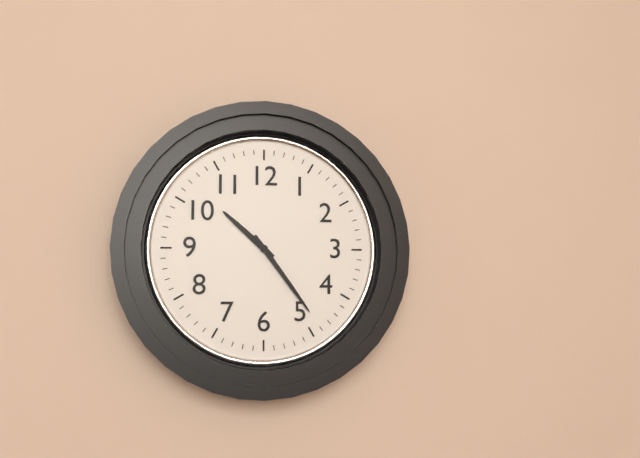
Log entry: {"hour": 10, "minute": 24}
